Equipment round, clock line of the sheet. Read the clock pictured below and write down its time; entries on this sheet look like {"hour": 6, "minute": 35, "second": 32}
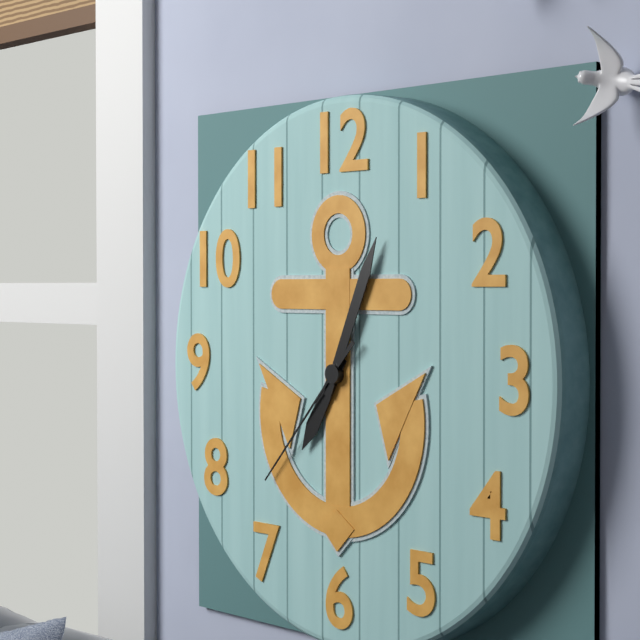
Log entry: {"hour": 7, "minute": 4, "second": 37}
